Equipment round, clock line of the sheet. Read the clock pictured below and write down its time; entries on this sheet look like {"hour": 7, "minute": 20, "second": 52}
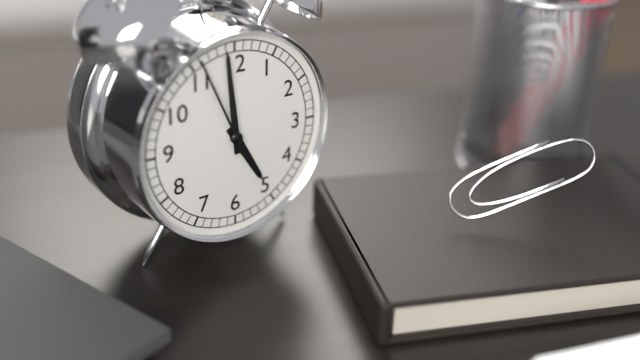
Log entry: {"hour": 4, "minute": 59, "second": 56}
